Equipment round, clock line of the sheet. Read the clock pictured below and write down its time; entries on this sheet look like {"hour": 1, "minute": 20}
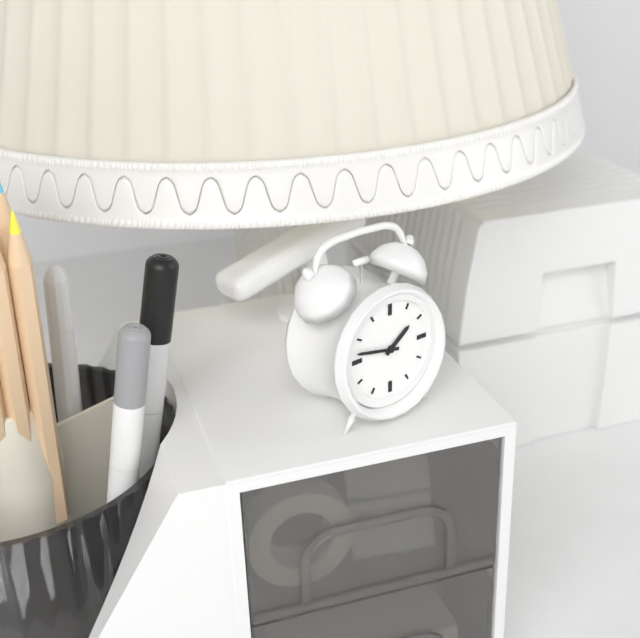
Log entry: {"hour": 1, "minute": 47}
